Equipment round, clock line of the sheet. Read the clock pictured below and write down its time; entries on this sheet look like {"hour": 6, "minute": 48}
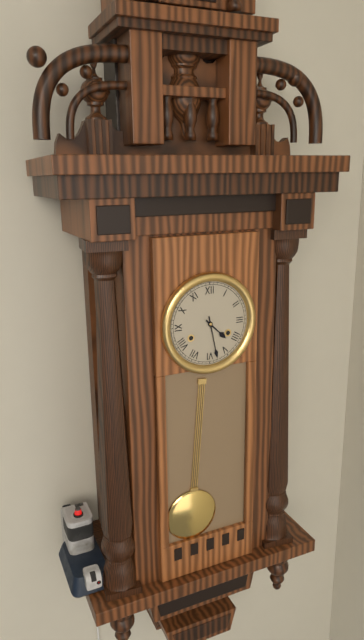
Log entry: {"hour": 4, "minute": 28}
